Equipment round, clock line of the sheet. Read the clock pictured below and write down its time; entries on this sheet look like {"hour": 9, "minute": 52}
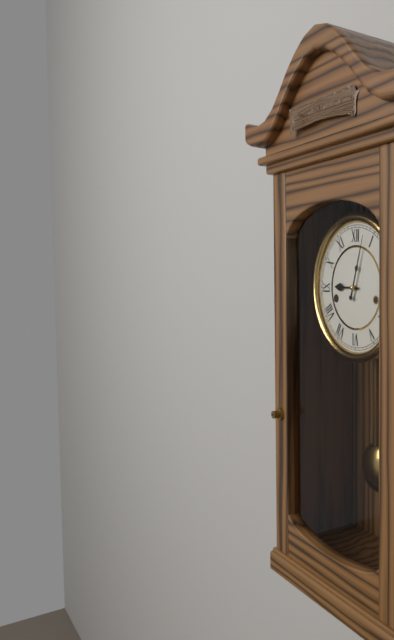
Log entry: {"hour": 9, "minute": 3}
